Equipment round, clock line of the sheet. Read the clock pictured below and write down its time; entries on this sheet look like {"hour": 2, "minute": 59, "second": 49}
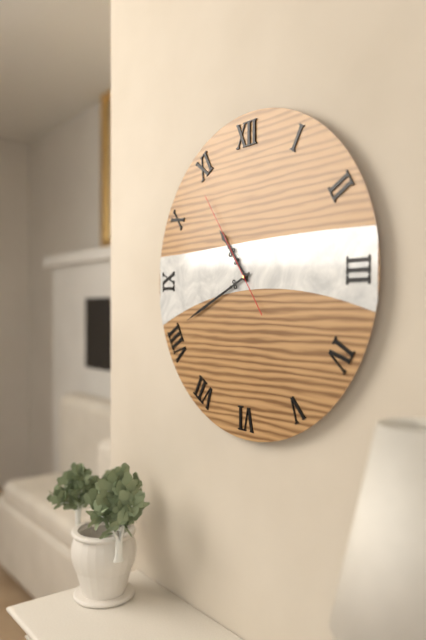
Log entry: {"hour": 10, "minute": 41, "second": 54}
